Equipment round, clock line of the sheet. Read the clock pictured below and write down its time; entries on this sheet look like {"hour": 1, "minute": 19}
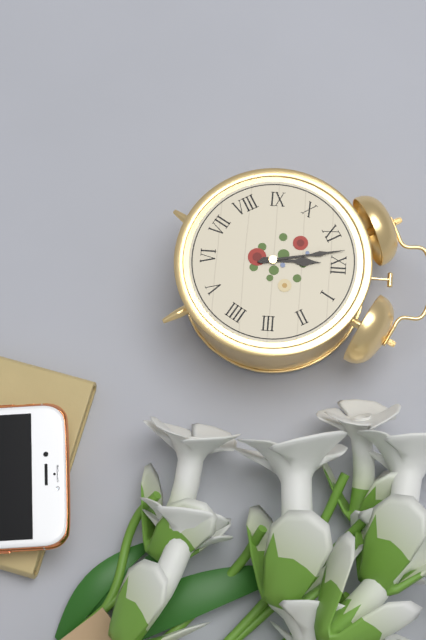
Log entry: {"hour": 11, "minute": 58}
